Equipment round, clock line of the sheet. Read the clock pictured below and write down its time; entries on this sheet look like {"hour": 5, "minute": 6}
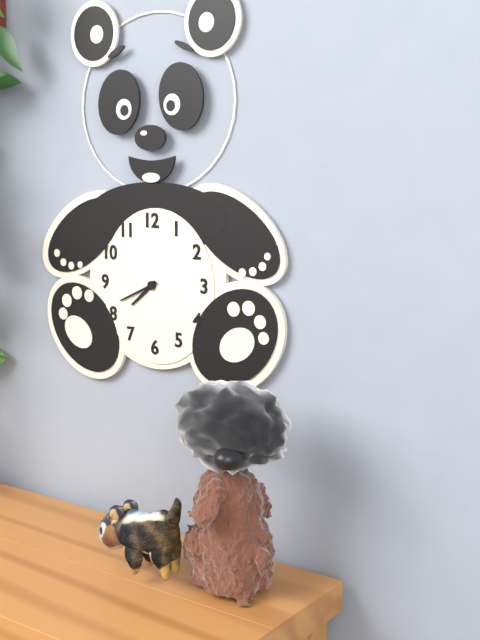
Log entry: {"hour": 7, "minute": 41}
